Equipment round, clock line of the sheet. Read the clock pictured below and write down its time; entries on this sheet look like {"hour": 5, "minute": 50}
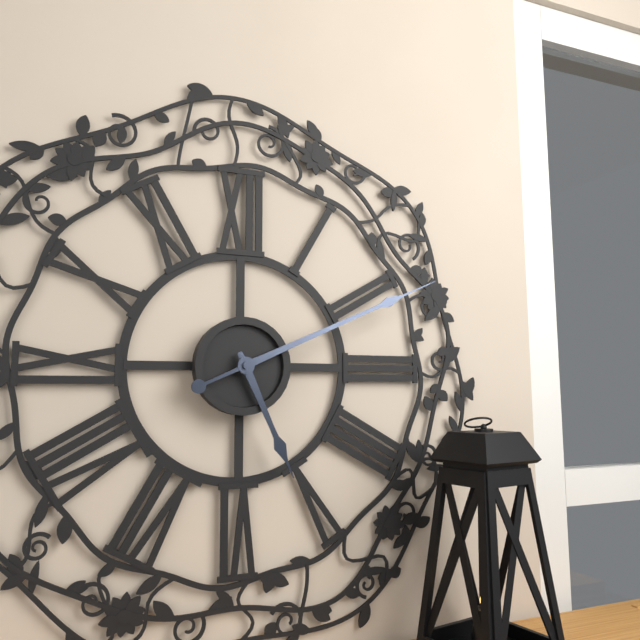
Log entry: {"hour": 5, "minute": 11}
